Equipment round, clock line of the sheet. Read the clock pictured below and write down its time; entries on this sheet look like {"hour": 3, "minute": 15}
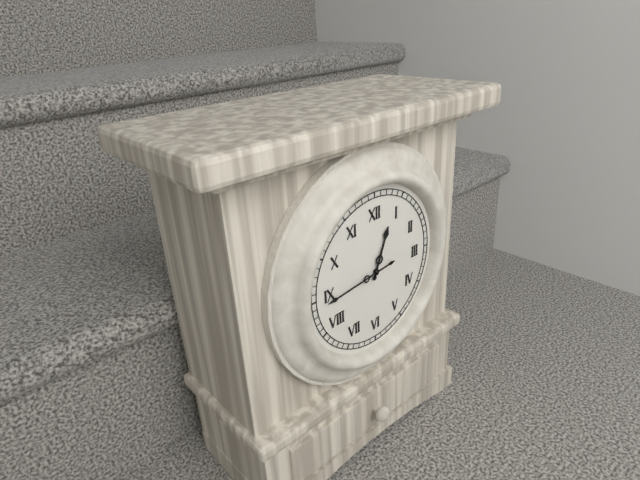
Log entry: {"hour": 12, "minute": 44}
